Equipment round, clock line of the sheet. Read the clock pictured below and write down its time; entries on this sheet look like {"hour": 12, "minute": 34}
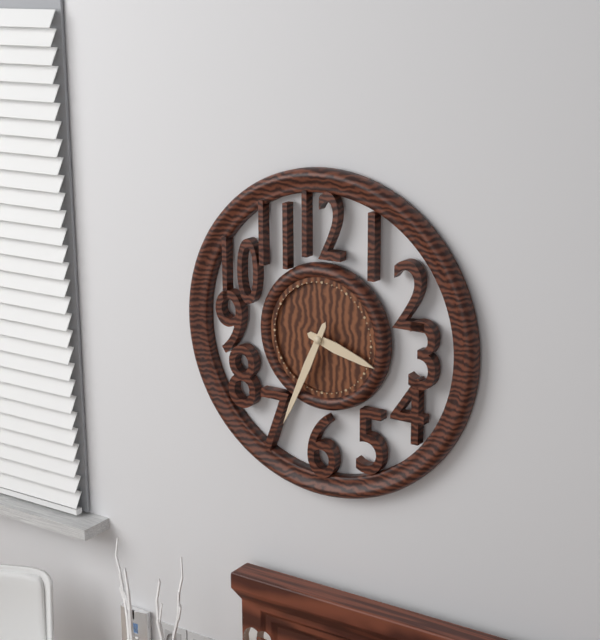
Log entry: {"hour": 3, "minute": 34}
